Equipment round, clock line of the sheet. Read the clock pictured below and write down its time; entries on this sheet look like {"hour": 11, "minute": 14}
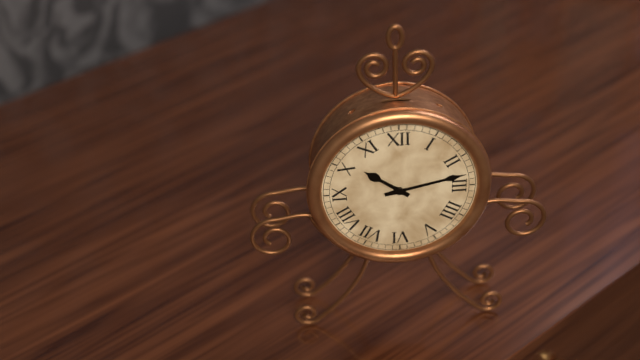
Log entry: {"hour": 10, "minute": 13}
